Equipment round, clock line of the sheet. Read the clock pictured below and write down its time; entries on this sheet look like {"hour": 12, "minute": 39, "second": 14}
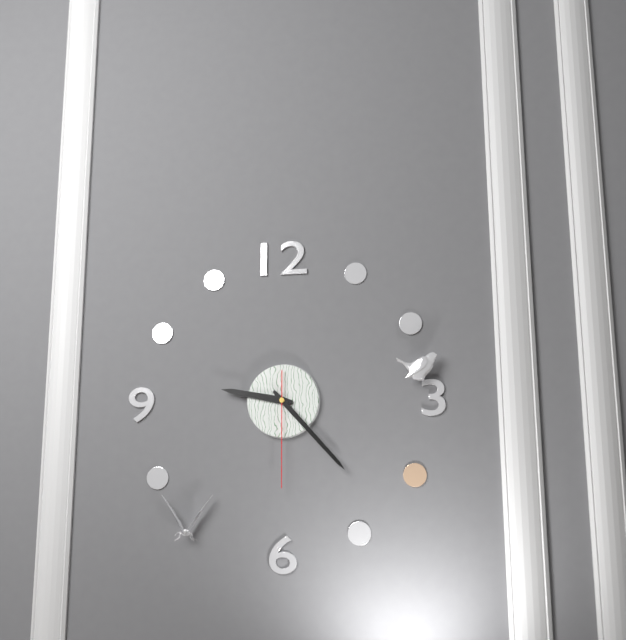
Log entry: {"hour": 9, "minute": 23, "second": 30}
